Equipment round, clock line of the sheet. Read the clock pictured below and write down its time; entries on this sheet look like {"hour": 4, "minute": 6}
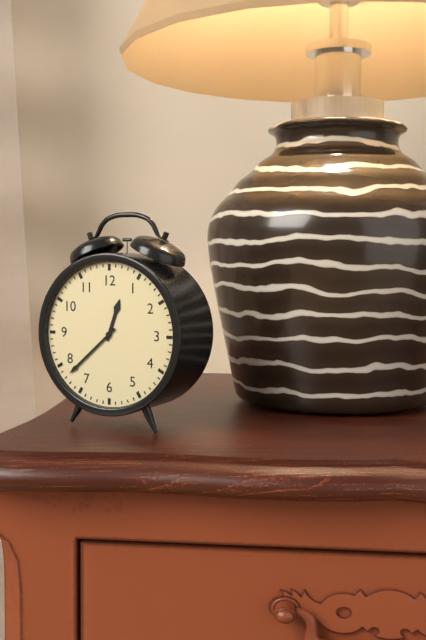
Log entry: {"hour": 12, "minute": 38}
